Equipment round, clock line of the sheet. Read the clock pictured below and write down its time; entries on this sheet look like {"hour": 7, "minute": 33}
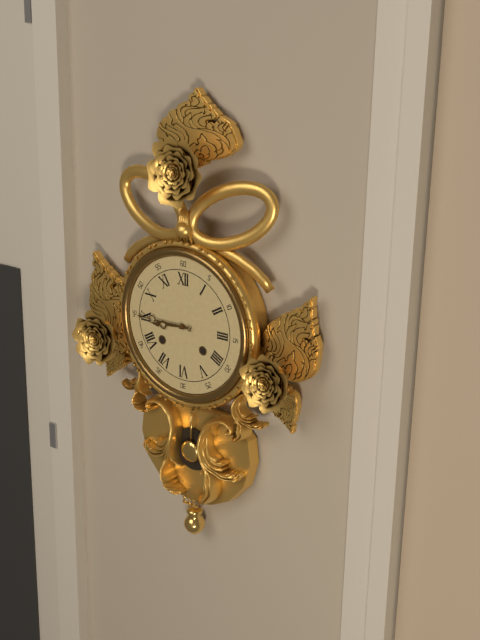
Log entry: {"hour": 8, "minute": 45}
